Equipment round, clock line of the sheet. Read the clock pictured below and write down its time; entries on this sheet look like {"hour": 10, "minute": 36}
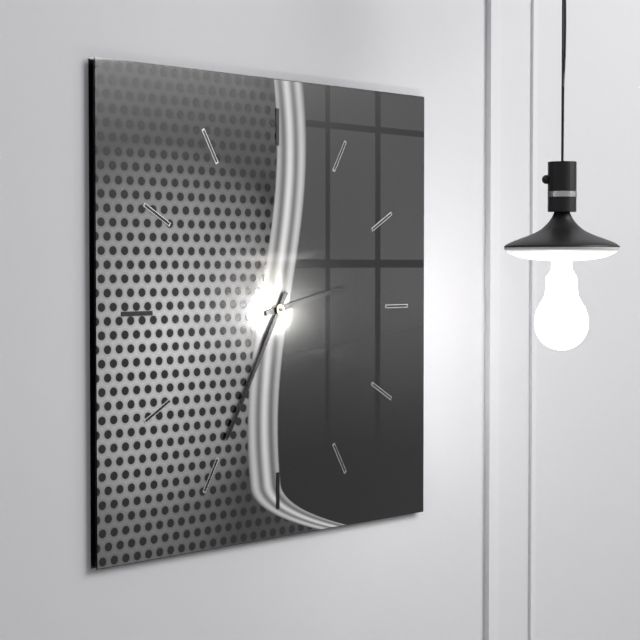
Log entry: {"hour": 2, "minute": 35}
